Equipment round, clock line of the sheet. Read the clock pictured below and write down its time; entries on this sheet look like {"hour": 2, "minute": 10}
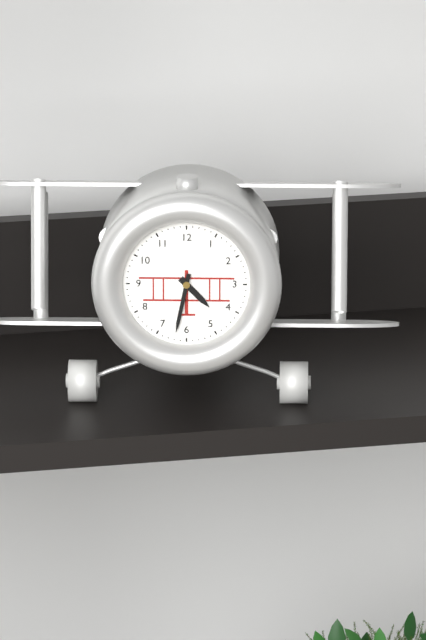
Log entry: {"hour": 4, "minute": 32}
